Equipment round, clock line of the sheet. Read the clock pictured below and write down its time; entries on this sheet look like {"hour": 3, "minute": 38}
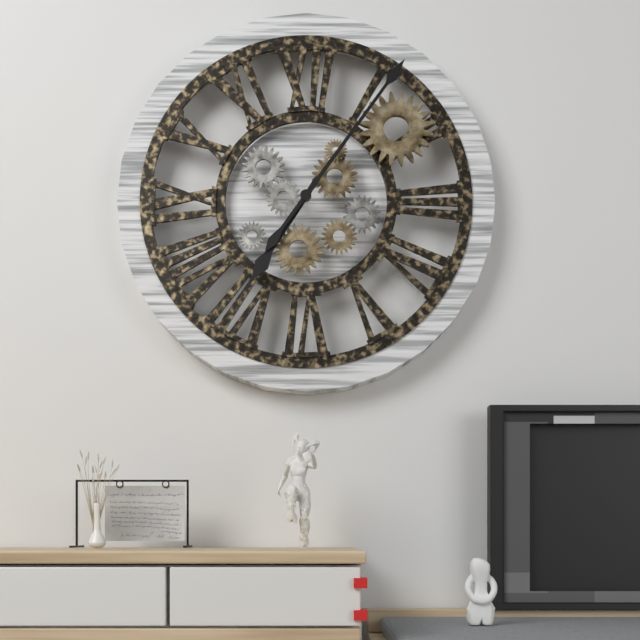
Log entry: {"hour": 7, "minute": 6}
